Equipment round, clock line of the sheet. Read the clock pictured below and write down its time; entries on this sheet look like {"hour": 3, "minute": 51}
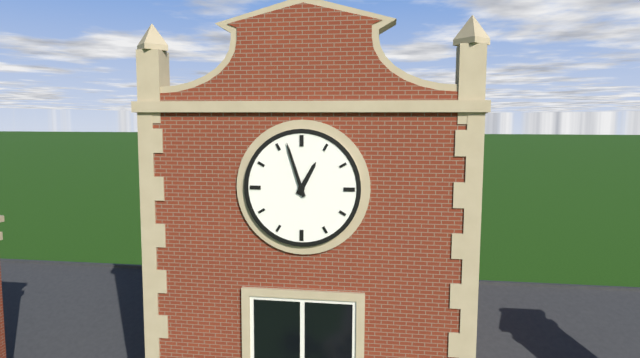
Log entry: {"hour": 12, "minute": 57}
